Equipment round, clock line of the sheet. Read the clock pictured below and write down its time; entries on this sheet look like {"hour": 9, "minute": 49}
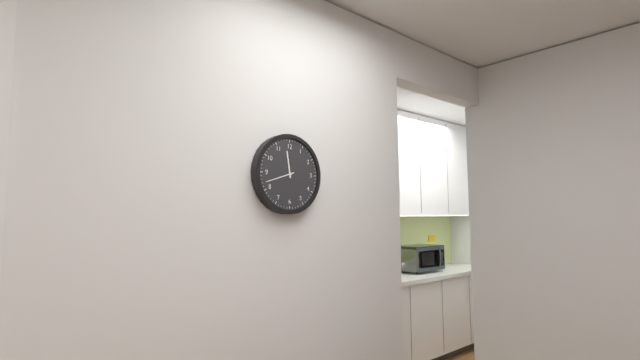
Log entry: {"hour": 11, "minute": 42}
